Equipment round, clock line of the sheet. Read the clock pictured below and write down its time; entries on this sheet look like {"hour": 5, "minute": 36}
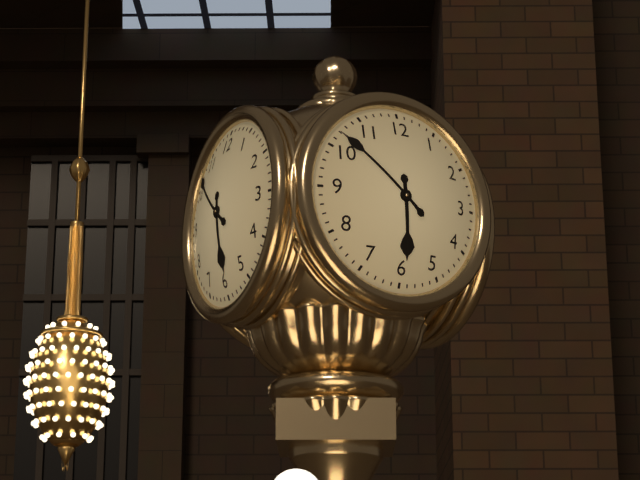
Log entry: {"hour": 5, "minute": 52}
